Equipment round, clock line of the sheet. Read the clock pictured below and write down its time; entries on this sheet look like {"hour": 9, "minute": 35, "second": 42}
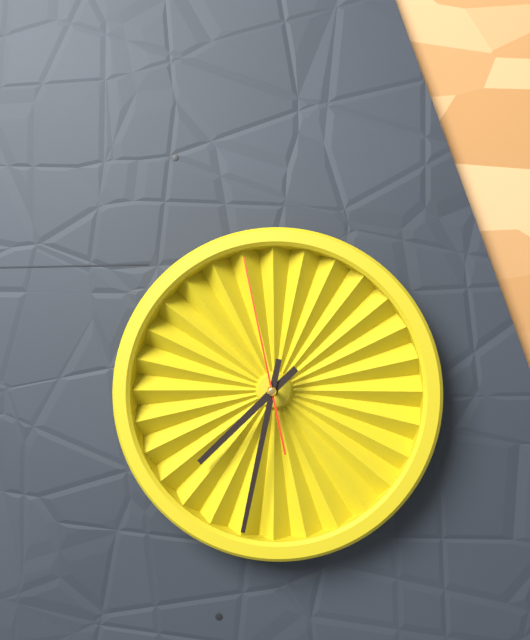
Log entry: {"hour": 7, "minute": 32, "second": 58}
